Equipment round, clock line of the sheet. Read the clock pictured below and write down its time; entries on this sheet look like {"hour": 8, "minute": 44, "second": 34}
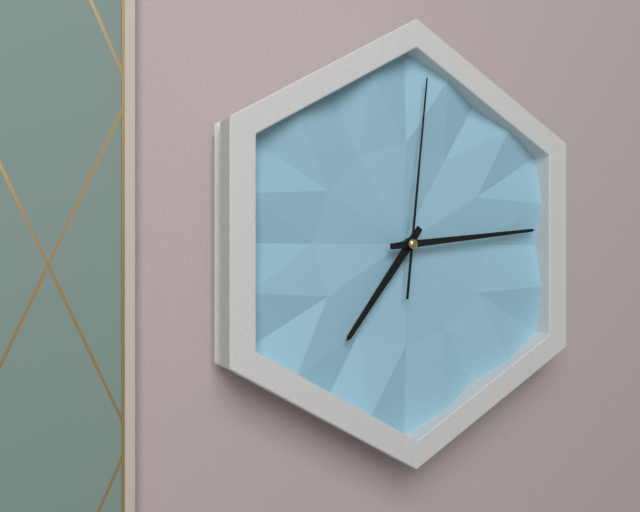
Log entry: {"hour": 7, "minute": 14, "second": 1}
